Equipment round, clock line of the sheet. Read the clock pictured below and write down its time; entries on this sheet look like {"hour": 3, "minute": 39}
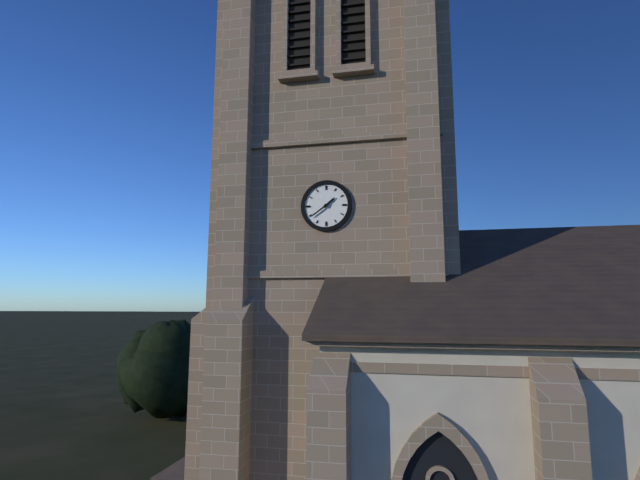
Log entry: {"hour": 1, "minute": 39}
